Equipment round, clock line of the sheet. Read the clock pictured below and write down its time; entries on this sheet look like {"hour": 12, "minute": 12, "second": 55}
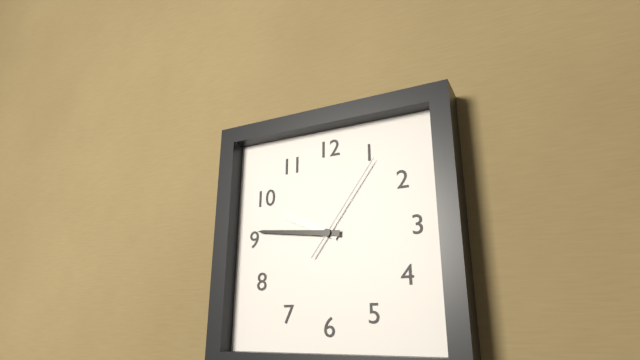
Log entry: {"hour": 9, "minute": 46, "second": 6}
